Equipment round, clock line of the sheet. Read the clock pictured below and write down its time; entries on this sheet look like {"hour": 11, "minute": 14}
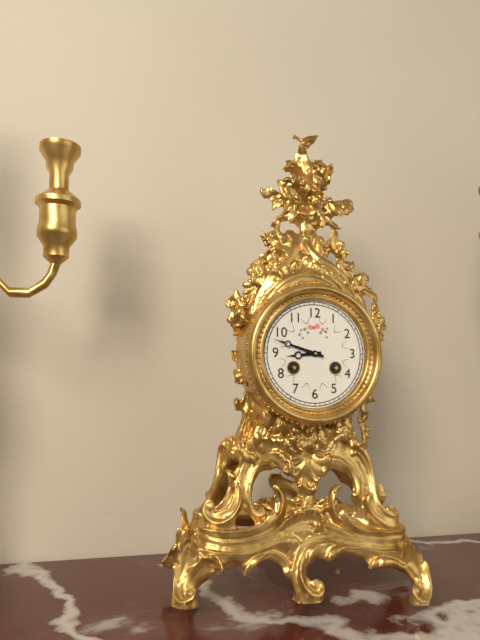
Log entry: {"hour": 8, "minute": 48}
